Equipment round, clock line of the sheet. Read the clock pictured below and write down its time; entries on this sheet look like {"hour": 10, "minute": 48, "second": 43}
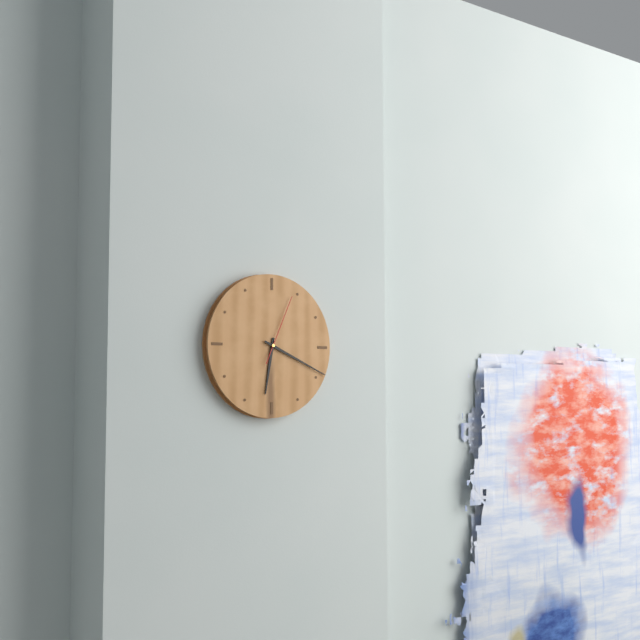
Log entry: {"hour": 6, "minute": 19, "second": 4}
